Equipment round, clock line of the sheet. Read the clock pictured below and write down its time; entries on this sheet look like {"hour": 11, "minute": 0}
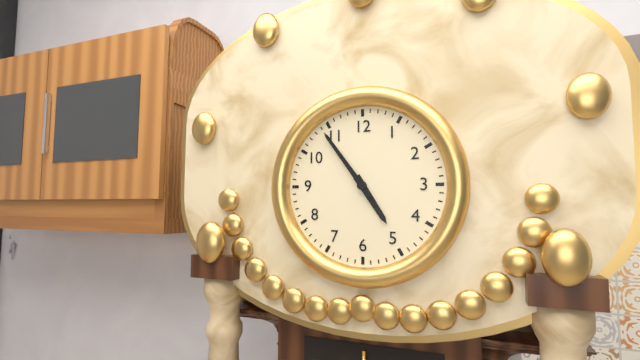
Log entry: {"hour": 4, "minute": 54}
